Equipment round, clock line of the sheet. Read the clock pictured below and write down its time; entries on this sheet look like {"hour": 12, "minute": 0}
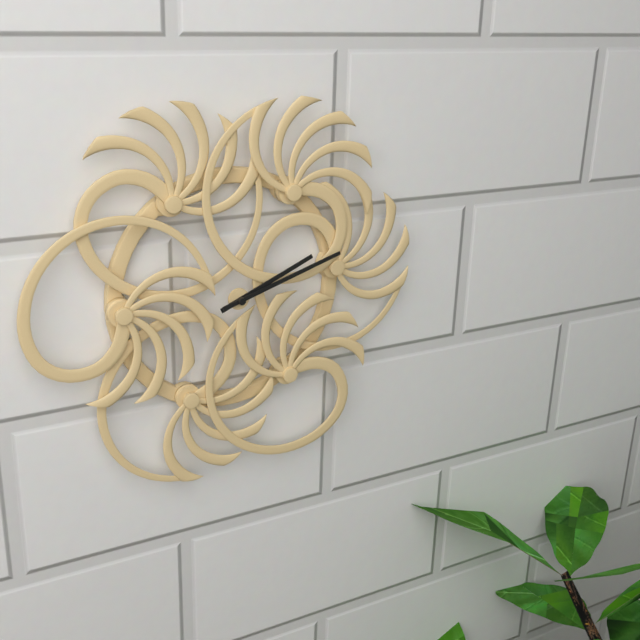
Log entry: {"hour": 2, "minute": 12}
